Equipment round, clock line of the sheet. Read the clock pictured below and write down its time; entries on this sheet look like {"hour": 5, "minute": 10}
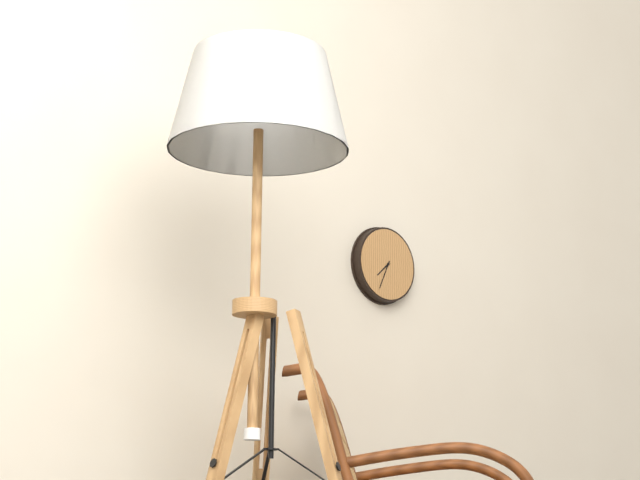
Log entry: {"hour": 7, "minute": 34}
